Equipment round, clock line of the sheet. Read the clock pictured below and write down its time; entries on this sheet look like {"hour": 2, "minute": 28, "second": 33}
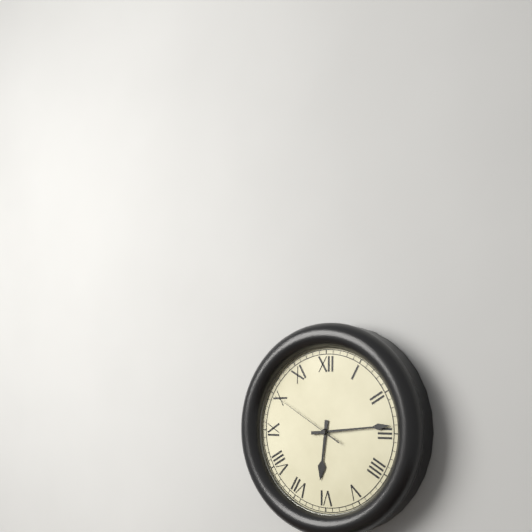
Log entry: {"hour": 6, "minute": 14, "second": 50}
